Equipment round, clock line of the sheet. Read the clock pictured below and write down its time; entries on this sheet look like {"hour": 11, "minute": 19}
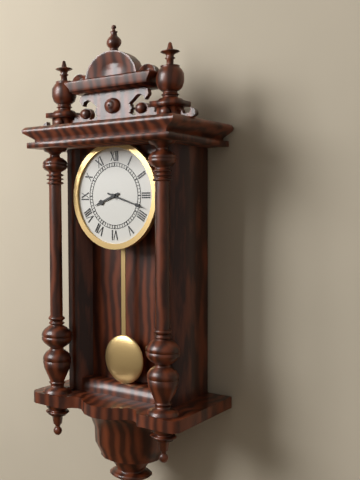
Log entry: {"hour": 8, "minute": 18}
